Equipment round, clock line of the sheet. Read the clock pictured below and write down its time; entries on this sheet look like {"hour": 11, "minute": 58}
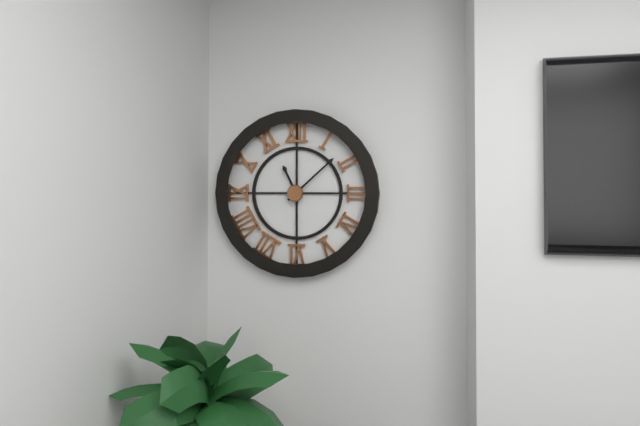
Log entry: {"hour": 11, "minute": 8}
